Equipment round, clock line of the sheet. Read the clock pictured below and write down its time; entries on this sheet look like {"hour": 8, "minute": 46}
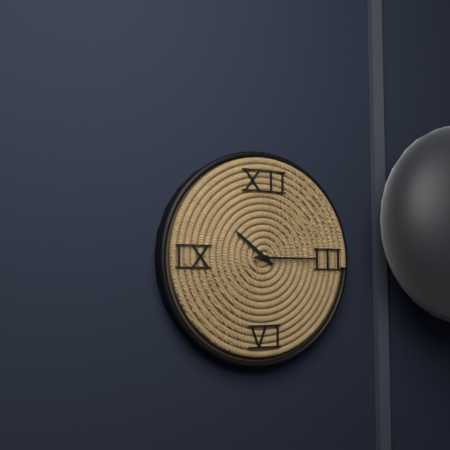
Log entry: {"hour": 10, "minute": 15}
